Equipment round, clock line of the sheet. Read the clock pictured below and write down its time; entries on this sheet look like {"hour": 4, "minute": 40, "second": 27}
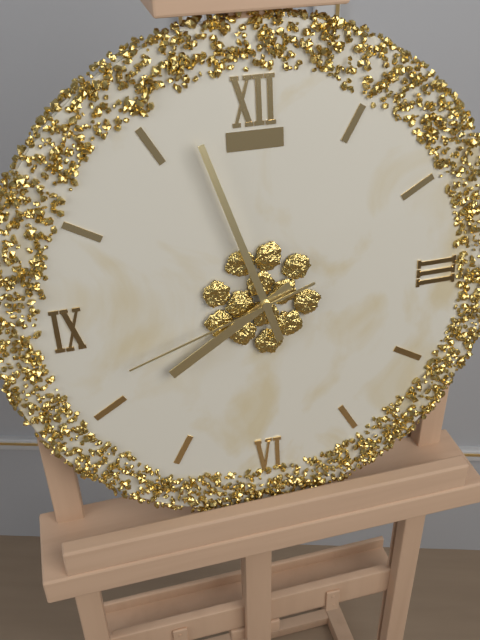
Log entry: {"hour": 7, "minute": 57, "second": 42}
